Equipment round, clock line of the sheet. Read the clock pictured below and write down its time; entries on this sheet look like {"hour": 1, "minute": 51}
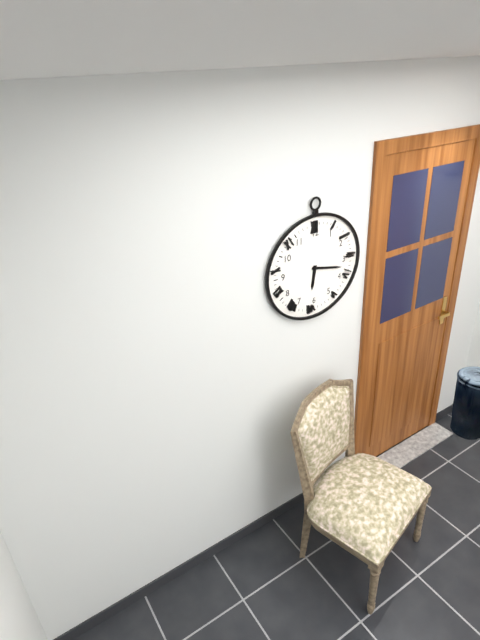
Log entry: {"hour": 6, "minute": 17}
